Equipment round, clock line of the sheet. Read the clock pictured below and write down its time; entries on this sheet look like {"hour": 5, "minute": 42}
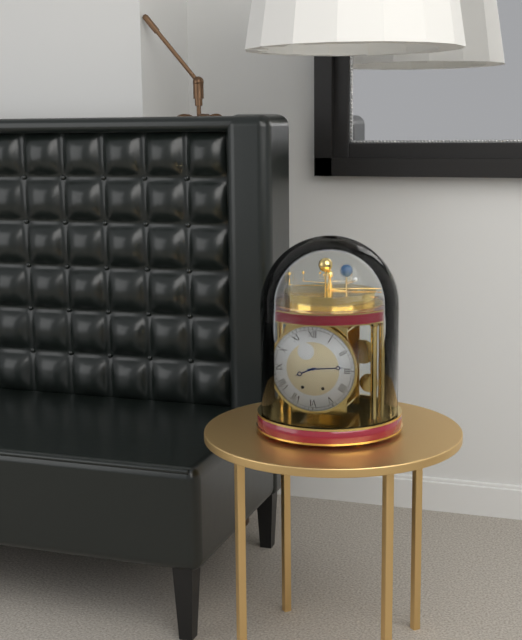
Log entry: {"hour": 8, "minute": 14}
